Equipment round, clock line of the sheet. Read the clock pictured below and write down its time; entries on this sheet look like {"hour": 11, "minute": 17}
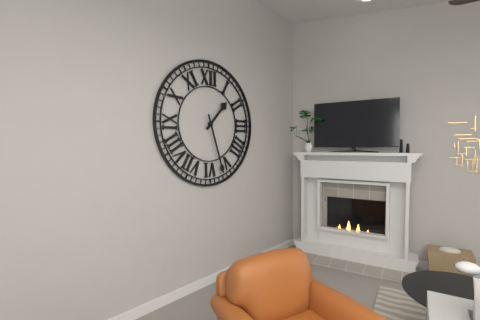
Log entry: {"hour": 1, "minute": 27}
